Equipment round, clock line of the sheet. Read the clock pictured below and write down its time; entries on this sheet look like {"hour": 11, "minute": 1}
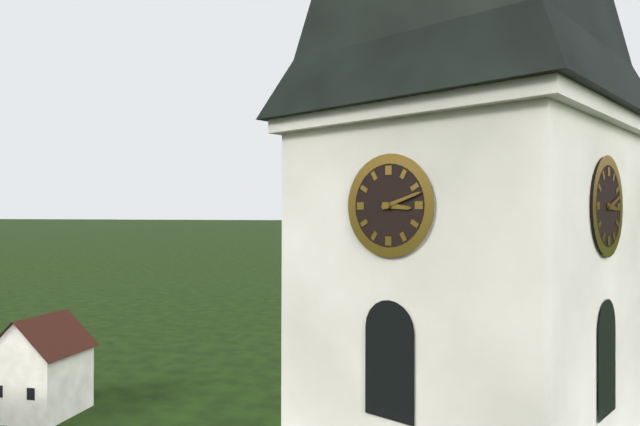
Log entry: {"hour": 3, "minute": 12}
